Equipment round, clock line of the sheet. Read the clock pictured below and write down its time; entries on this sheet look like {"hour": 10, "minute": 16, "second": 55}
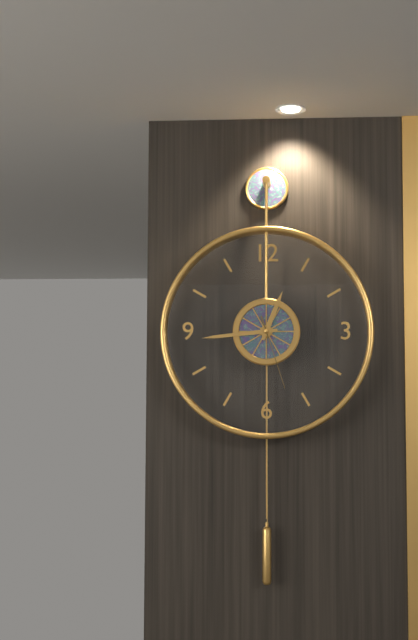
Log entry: {"hour": 12, "minute": 44, "second": 27}
